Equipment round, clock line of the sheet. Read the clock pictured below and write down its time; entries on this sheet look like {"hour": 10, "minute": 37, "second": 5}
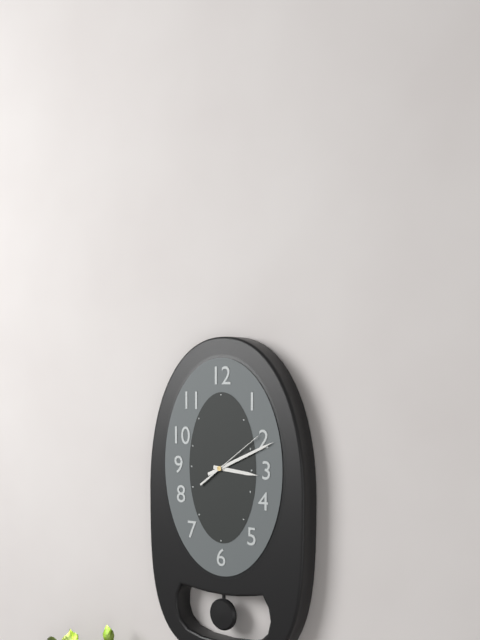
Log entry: {"hour": 3, "minute": 11, "second": 9}
